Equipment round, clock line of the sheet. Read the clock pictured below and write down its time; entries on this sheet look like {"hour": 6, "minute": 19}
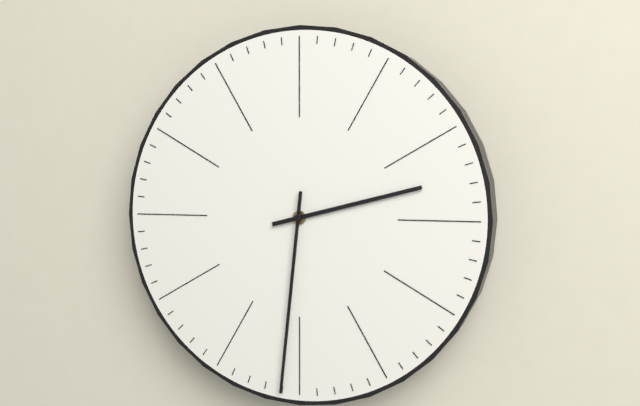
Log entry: {"hour": 2, "minute": 31}
